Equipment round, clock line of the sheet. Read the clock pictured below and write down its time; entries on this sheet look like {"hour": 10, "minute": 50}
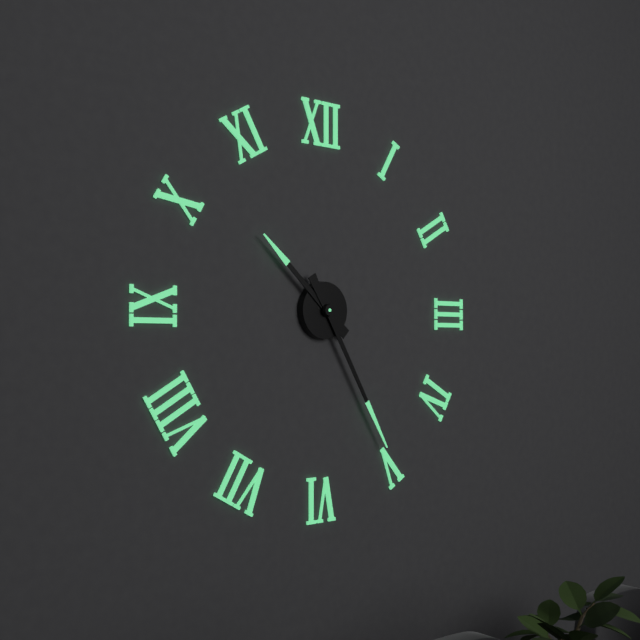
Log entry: {"hour": 10, "minute": 25}
